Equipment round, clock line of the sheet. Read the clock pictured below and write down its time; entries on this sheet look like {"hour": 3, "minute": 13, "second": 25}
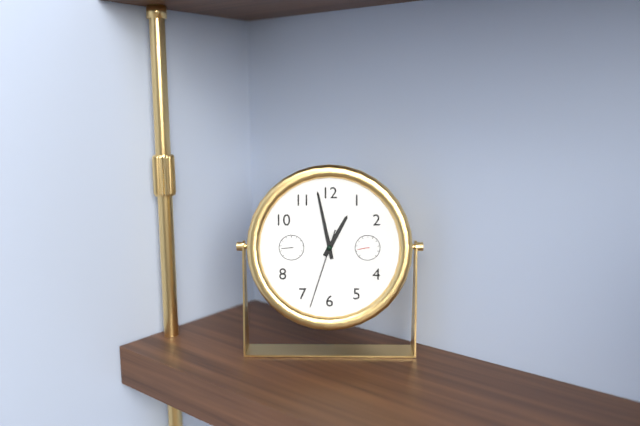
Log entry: {"hour": 12, "minute": 58, "second": 33}
